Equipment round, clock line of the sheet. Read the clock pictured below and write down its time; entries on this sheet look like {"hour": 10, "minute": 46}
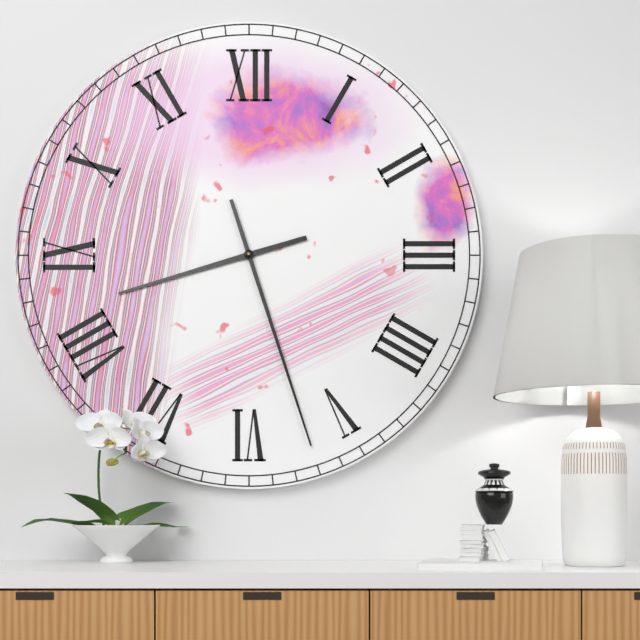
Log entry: {"hour": 8, "minute": 27}
